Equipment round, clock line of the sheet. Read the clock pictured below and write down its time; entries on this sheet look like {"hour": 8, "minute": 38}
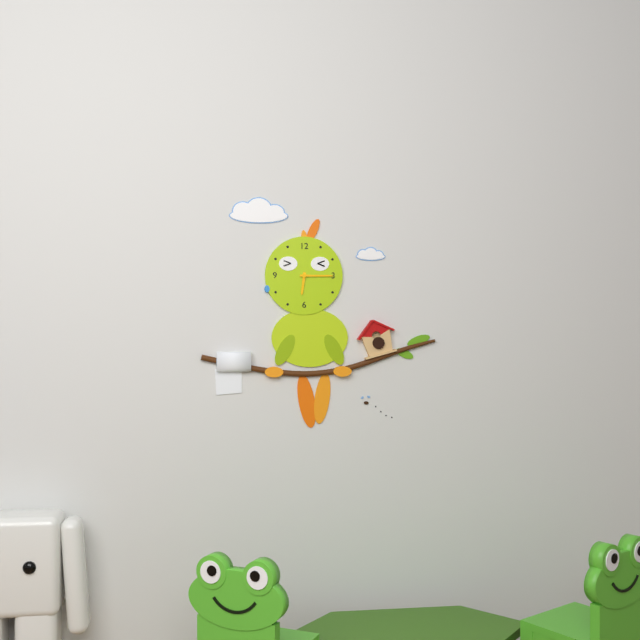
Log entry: {"hour": 6, "minute": 15}
